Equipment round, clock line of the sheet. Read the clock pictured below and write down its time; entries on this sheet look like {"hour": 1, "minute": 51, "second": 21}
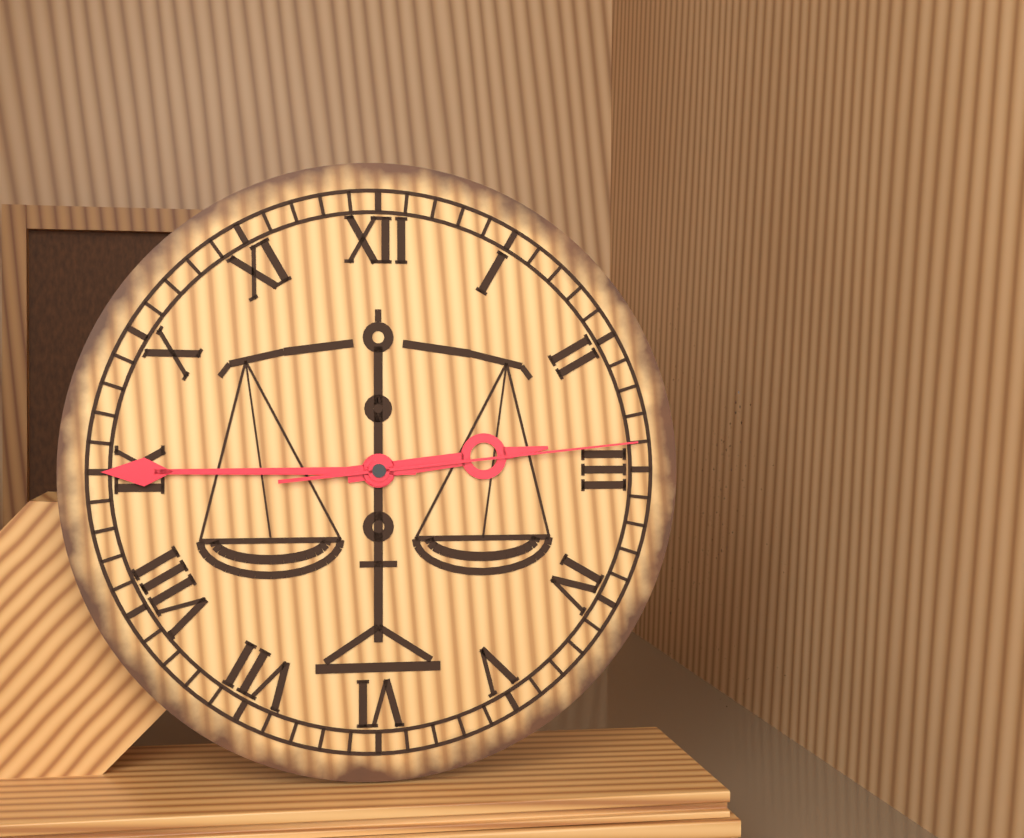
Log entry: {"hour": 2, "minute": 45, "second": 14}
